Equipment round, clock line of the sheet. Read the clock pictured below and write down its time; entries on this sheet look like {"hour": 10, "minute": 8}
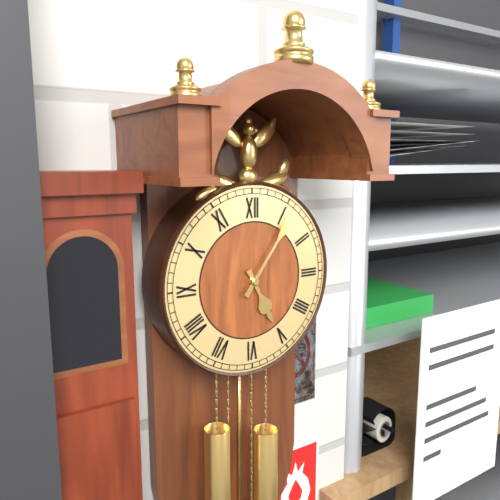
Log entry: {"hour": 5, "minute": 6}
